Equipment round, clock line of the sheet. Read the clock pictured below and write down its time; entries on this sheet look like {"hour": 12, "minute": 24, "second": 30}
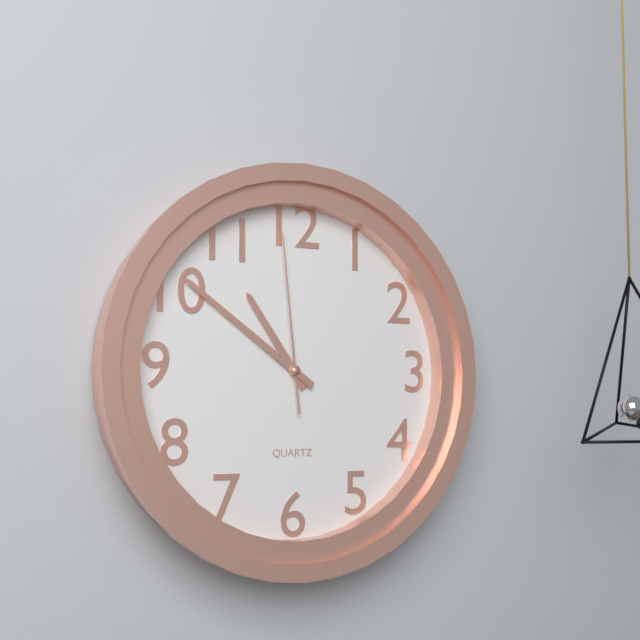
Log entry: {"hour": 10, "minute": 51, "second": 59}
